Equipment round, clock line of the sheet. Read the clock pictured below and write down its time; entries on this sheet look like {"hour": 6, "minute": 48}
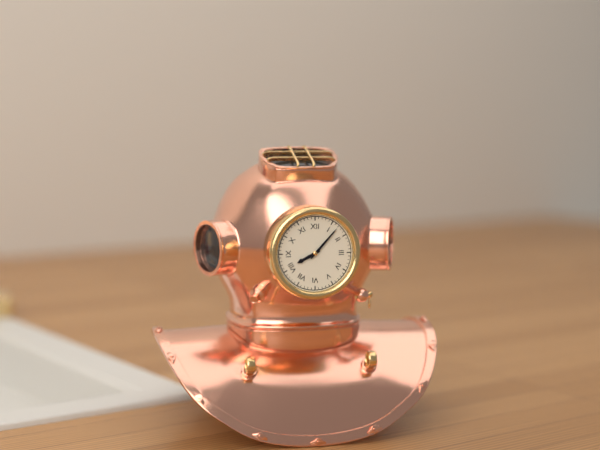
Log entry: {"hour": 8, "minute": 7}
